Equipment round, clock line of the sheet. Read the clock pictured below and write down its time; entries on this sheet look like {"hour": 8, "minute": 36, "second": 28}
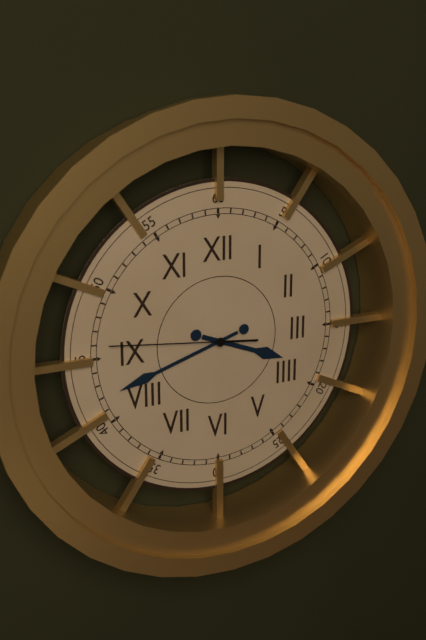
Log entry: {"hour": 3, "minute": 42, "second": 46}
